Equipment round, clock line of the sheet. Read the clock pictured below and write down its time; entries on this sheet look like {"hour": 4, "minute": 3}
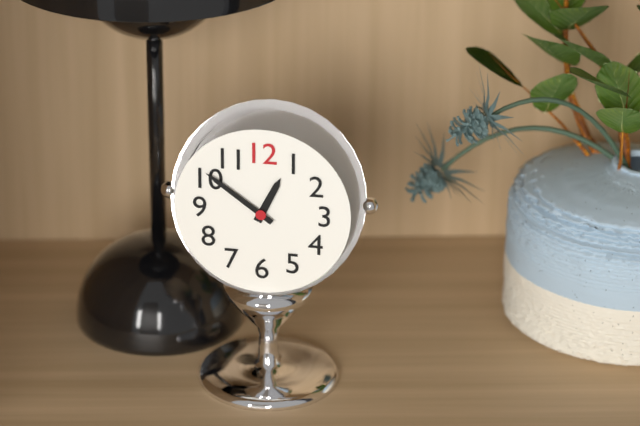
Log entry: {"hour": 12, "minute": 51}
